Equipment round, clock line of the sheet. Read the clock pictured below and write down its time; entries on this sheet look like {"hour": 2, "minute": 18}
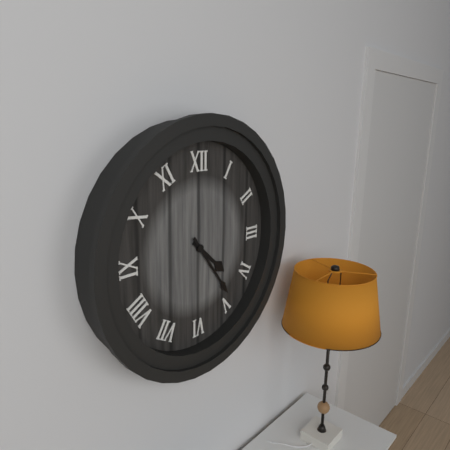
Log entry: {"hour": 4, "minute": 24}
